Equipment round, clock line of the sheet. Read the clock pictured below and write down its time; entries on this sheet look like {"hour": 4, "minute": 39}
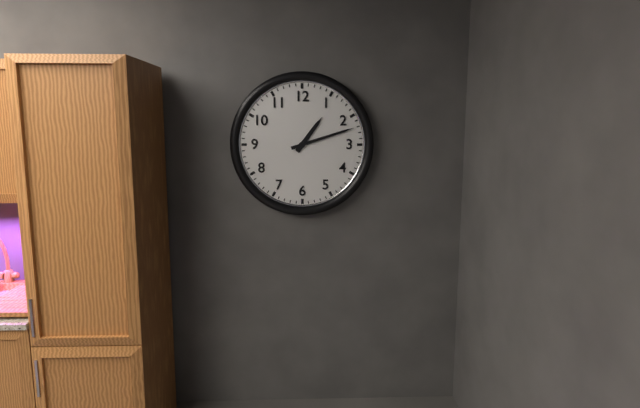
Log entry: {"hour": 1, "minute": 12}
